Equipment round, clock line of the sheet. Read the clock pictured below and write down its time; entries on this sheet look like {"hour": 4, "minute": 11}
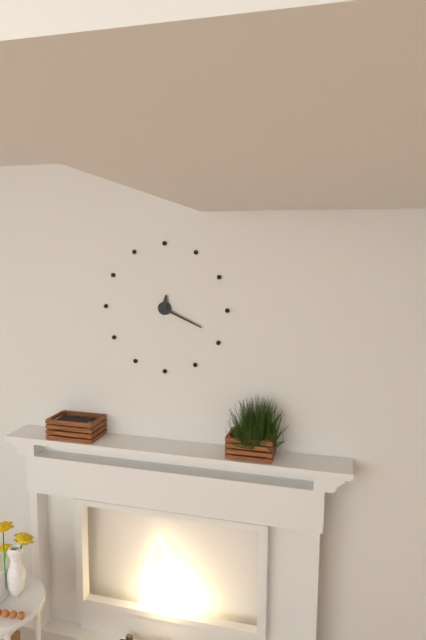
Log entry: {"hour": 12, "minute": 19}
